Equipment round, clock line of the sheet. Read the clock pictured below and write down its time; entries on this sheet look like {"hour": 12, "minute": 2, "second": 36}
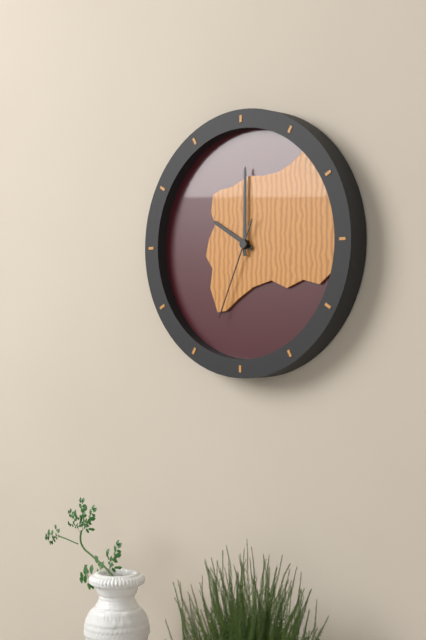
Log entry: {"hour": 10, "minute": 0, "second": 34}
